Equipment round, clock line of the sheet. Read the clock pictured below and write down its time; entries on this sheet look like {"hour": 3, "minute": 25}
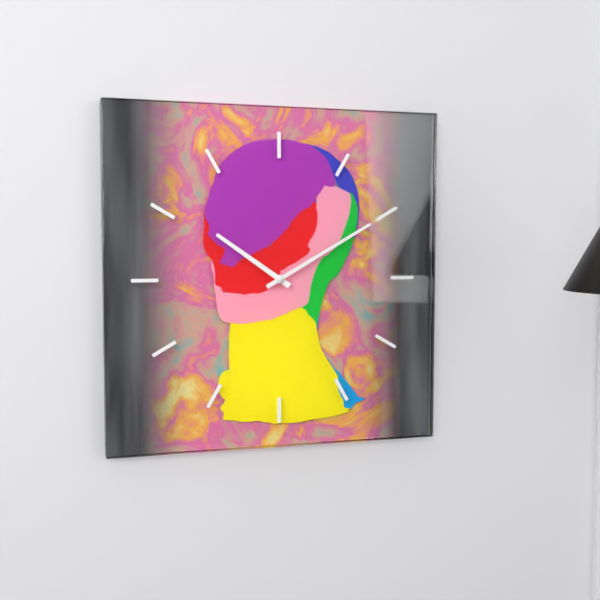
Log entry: {"hour": 10, "minute": 10}
